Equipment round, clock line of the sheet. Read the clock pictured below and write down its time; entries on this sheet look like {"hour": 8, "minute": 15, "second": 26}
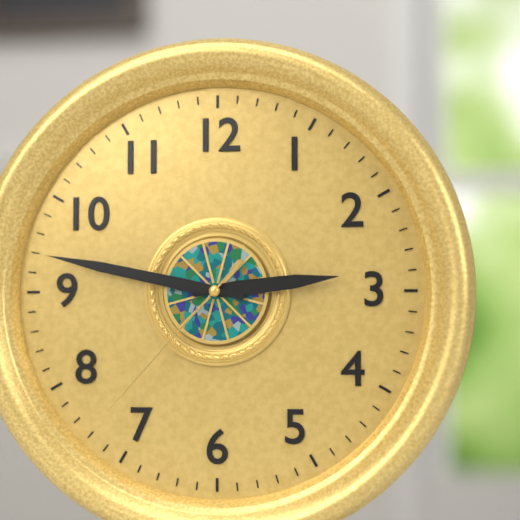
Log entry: {"hour": 2, "minute": 47, "second": 37}
